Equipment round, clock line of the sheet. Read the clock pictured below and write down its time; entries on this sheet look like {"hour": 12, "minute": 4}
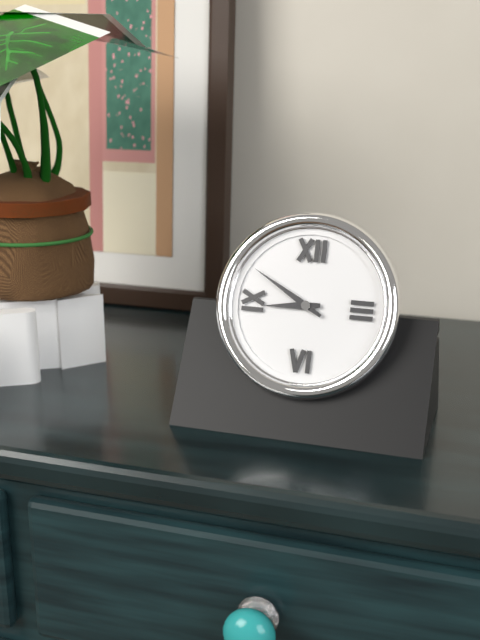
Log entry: {"hour": 8, "minute": 50}
